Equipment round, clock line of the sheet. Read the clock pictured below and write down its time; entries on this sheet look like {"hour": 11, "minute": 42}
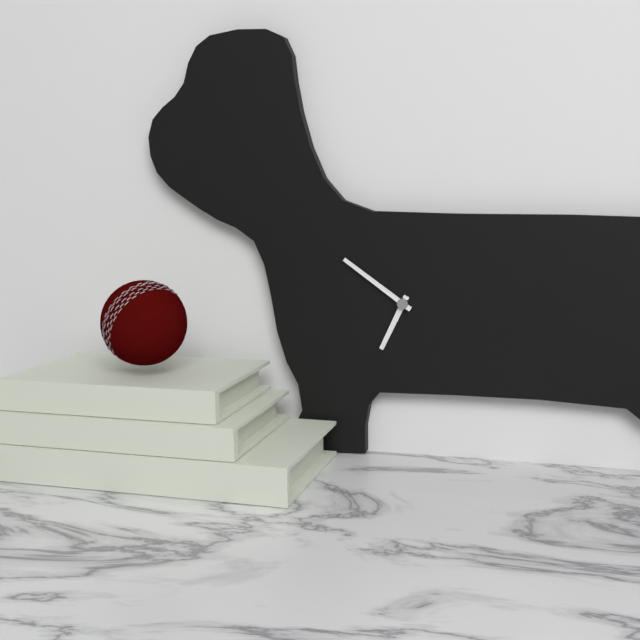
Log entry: {"hour": 6, "minute": 51}
